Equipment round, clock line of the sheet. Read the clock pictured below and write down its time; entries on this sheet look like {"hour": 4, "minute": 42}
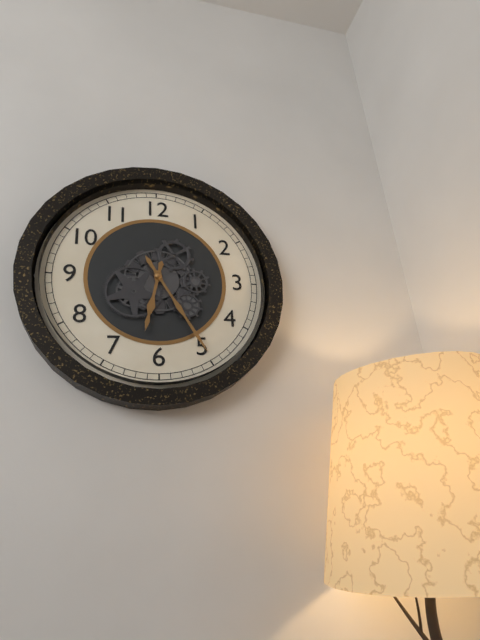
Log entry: {"hour": 6, "minute": 25}
